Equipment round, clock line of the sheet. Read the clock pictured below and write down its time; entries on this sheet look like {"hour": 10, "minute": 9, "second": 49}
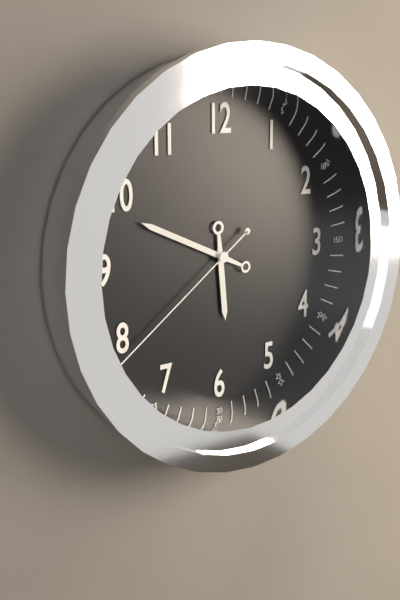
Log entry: {"hour": 5, "minute": 49, "second": 39}
